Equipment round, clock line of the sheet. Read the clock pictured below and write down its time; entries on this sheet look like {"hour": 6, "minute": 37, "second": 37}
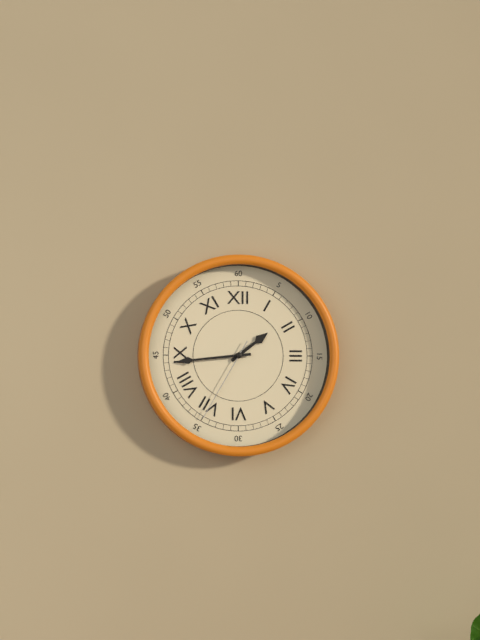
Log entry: {"hour": 1, "minute": 44, "second": 35}
